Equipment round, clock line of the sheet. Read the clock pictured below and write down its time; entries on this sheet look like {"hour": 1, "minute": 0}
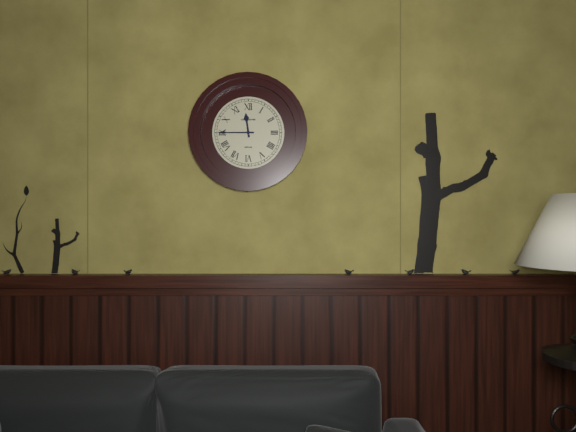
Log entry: {"hour": 11, "minute": 45}
